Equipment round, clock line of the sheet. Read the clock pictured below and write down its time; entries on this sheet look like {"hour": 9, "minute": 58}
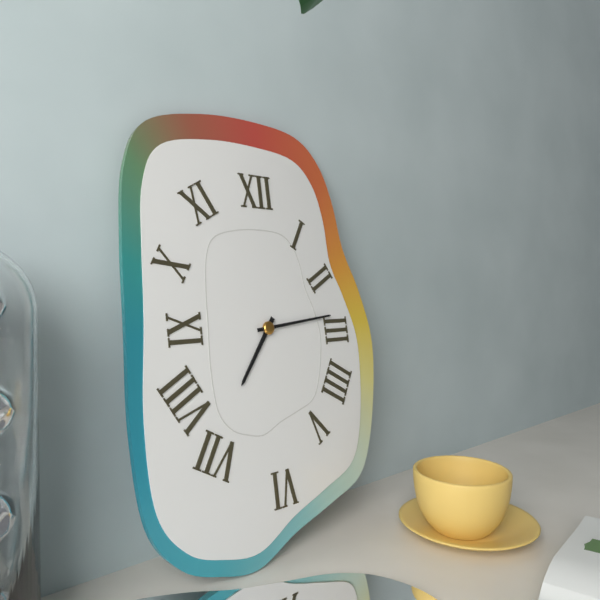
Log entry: {"hour": 7, "minute": 14}
